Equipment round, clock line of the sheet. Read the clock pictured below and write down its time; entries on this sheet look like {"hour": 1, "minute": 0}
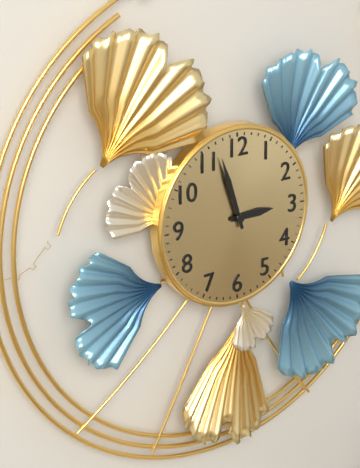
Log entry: {"hour": 2, "minute": 57}
